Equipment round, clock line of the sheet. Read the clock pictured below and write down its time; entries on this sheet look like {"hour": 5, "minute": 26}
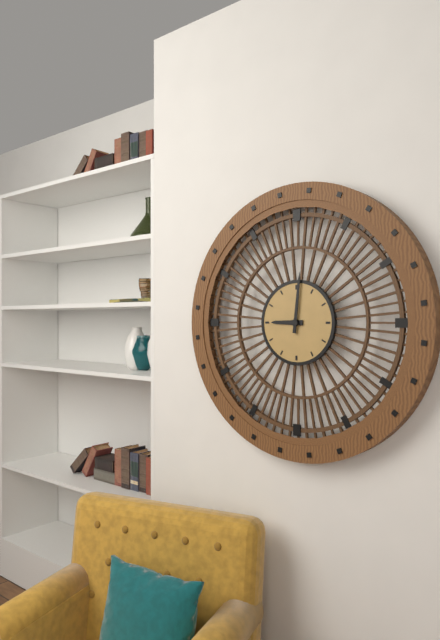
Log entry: {"hour": 9, "minute": 1}
